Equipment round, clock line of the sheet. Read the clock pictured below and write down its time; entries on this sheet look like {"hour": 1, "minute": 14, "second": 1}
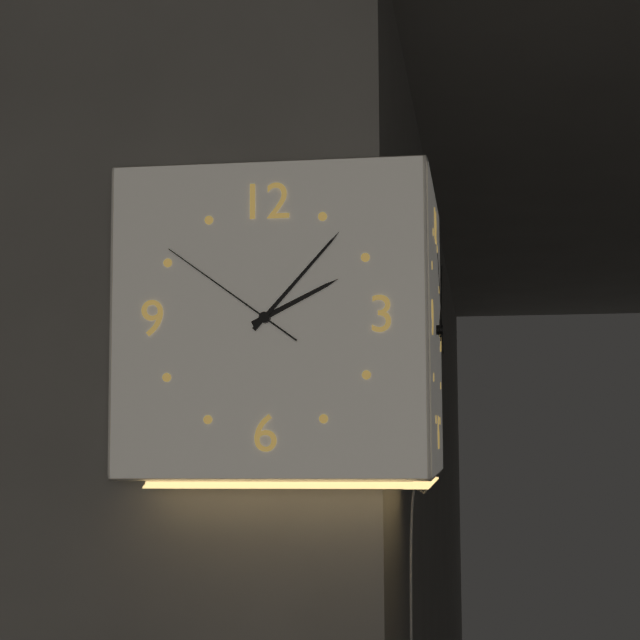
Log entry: {"hour": 2, "minute": 7, "second": 51}
